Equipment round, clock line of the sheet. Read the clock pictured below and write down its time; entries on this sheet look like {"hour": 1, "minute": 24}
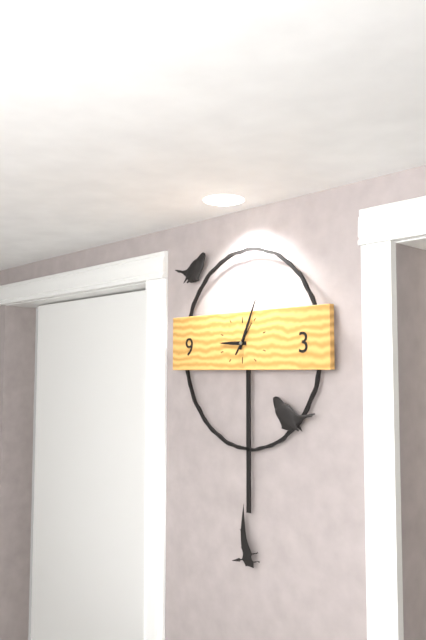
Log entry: {"hour": 9, "minute": 4}
